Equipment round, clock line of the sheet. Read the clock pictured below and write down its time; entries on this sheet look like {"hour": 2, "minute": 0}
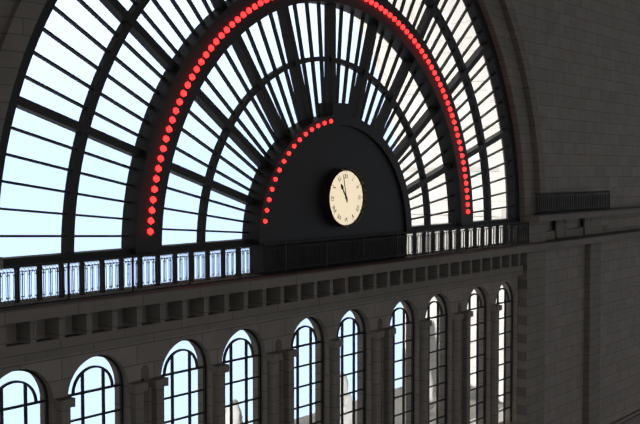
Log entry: {"hour": 10, "minute": 58}
